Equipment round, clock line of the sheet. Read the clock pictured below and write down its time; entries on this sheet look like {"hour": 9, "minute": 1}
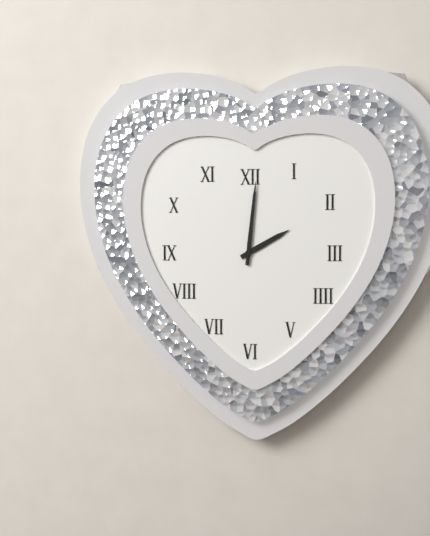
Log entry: {"hour": 2, "minute": 1}
